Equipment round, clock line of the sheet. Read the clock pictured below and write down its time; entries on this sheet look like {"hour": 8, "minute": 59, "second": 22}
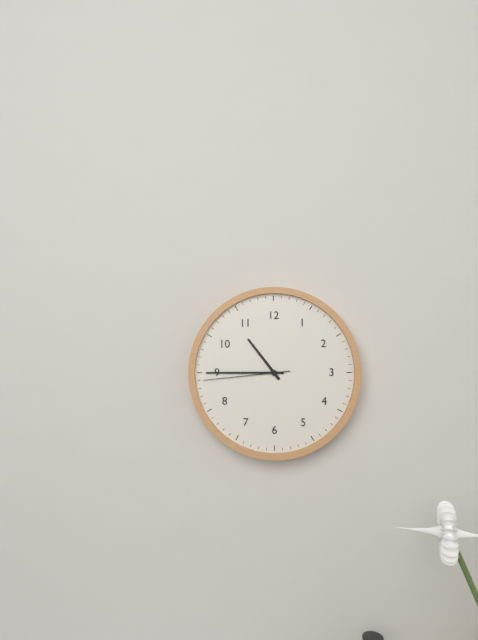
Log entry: {"hour": 10, "minute": 45, "second": 44}
